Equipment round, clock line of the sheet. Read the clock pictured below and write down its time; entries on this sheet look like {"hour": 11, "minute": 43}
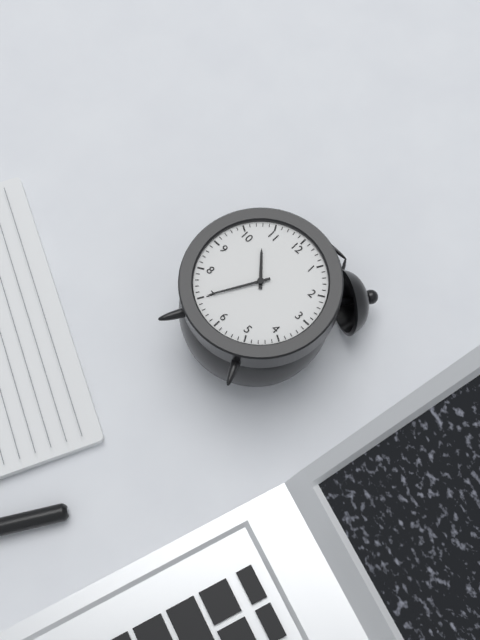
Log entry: {"hour": 10, "minute": 35}
